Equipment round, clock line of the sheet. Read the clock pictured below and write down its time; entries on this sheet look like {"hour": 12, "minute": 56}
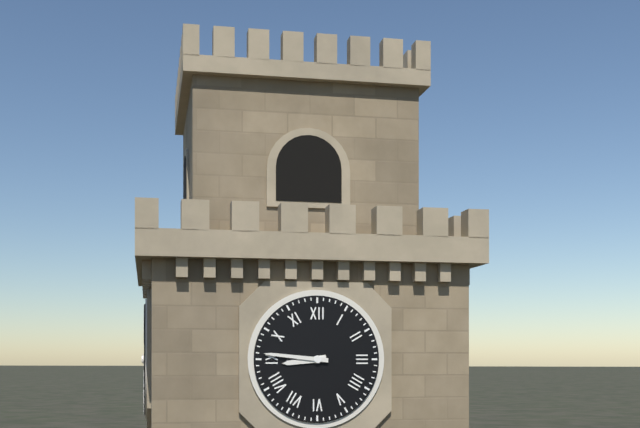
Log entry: {"hour": 8, "minute": 46}
